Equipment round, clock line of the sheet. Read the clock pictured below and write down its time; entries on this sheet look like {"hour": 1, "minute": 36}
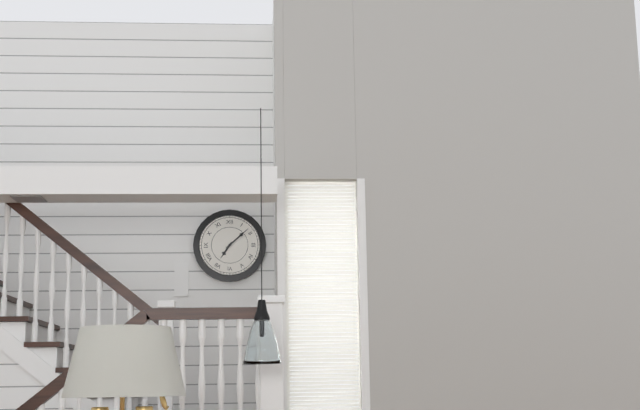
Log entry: {"hour": 7, "minute": 8}
